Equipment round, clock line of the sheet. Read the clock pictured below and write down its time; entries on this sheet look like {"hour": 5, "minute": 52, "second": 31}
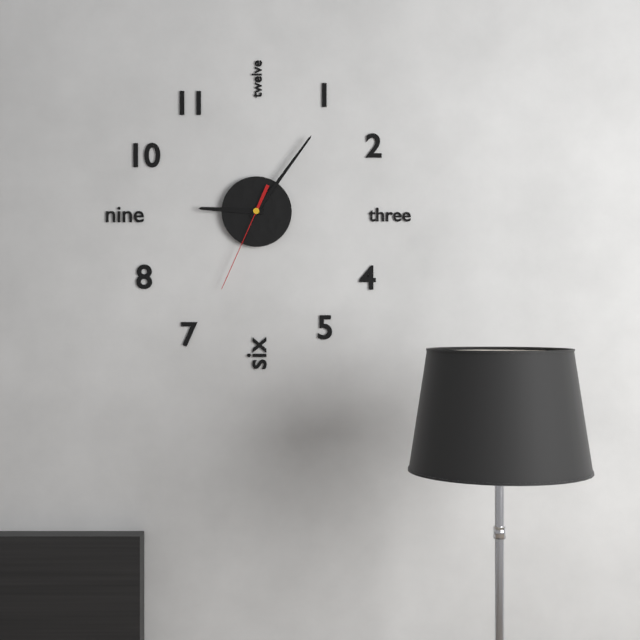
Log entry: {"hour": 9, "minute": 6, "second": 34}
